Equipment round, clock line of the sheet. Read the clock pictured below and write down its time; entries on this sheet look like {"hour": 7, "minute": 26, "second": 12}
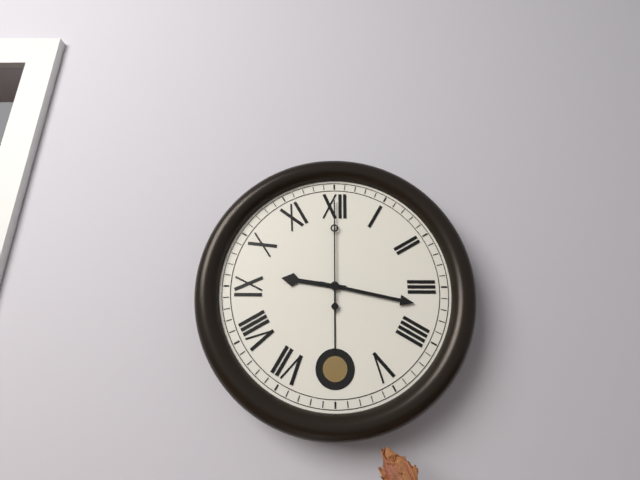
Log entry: {"hour": 9, "minute": 17, "second": 0}
